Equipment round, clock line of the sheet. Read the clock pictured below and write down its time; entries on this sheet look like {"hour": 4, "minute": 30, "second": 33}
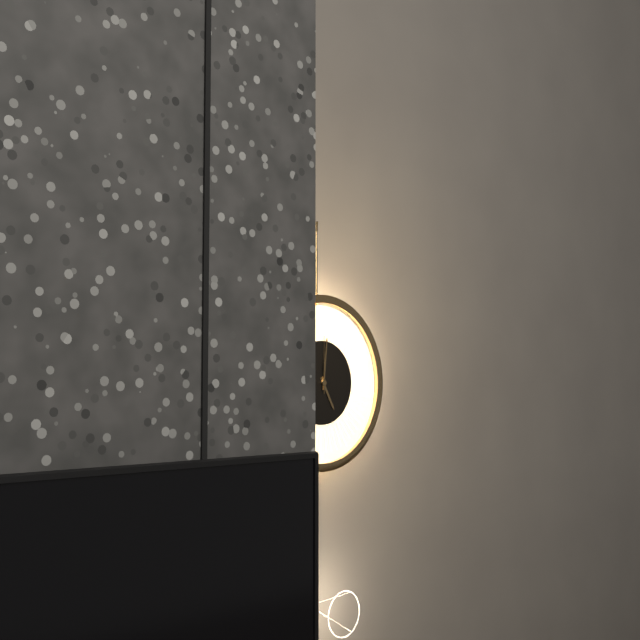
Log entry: {"hour": 5, "minute": 1, "second": 0}
